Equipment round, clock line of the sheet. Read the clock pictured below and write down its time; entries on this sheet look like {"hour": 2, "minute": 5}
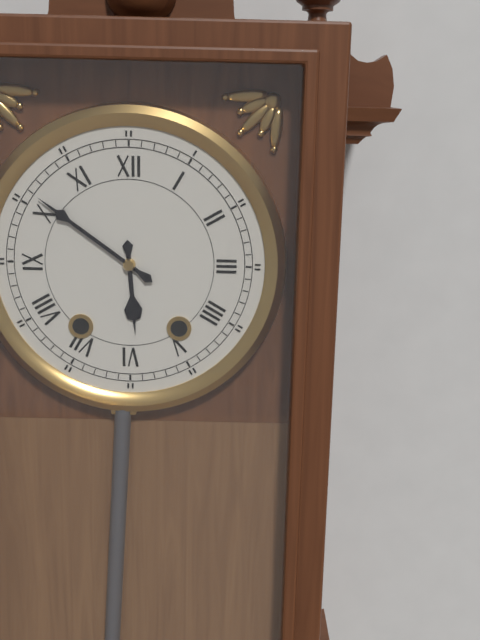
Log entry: {"hour": 5, "minute": 51}
